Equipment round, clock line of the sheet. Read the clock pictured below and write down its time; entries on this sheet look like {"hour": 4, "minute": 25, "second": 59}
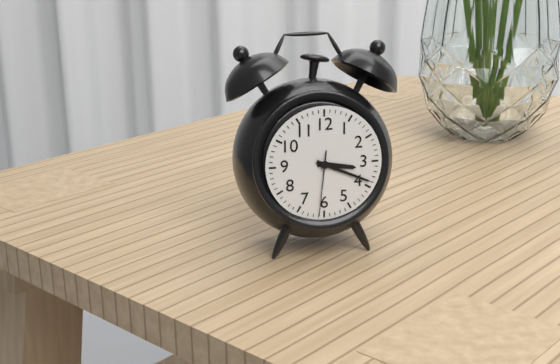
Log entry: {"hour": 3, "minute": 19, "second": 31}
